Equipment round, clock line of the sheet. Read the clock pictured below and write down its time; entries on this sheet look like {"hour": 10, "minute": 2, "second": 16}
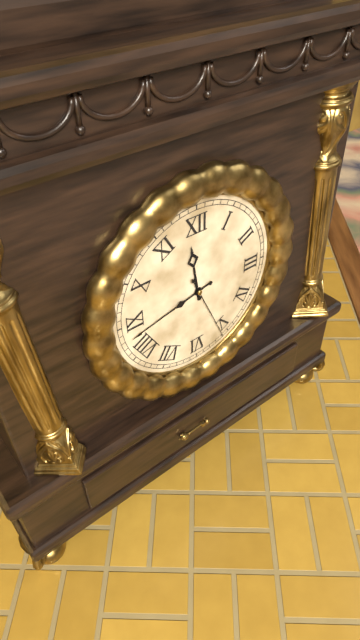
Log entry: {"hour": 11, "minute": 43, "second": 26}
